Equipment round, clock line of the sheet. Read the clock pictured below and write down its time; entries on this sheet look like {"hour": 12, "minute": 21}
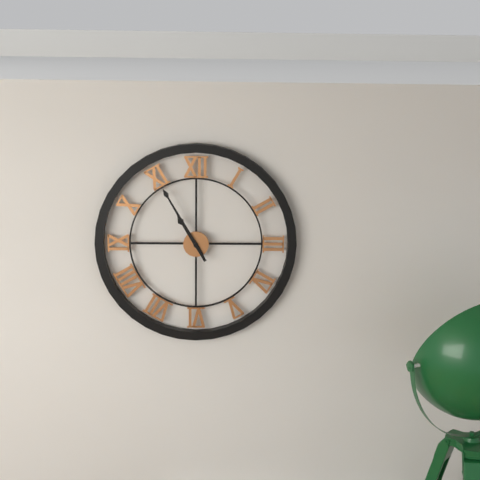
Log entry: {"hour": 10, "minute": 55}
